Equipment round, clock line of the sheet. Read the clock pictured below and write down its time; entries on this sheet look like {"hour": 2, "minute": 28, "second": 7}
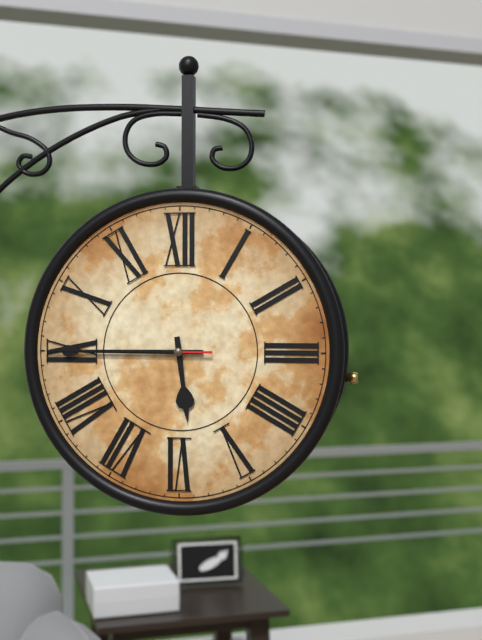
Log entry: {"hour": 5, "minute": 45, "second": 45}
